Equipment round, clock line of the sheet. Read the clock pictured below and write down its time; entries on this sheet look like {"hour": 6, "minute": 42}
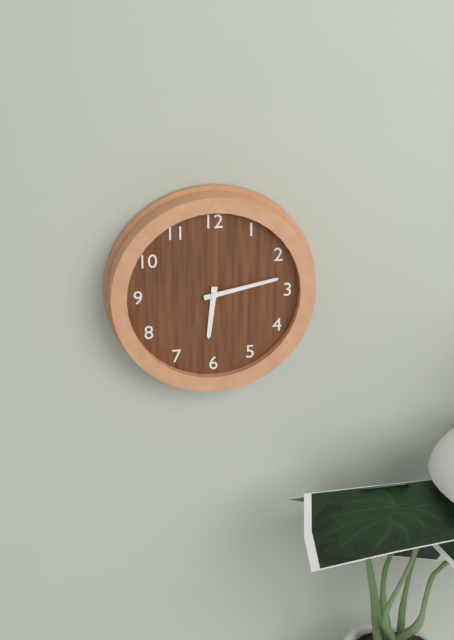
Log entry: {"hour": 6, "minute": 13}
